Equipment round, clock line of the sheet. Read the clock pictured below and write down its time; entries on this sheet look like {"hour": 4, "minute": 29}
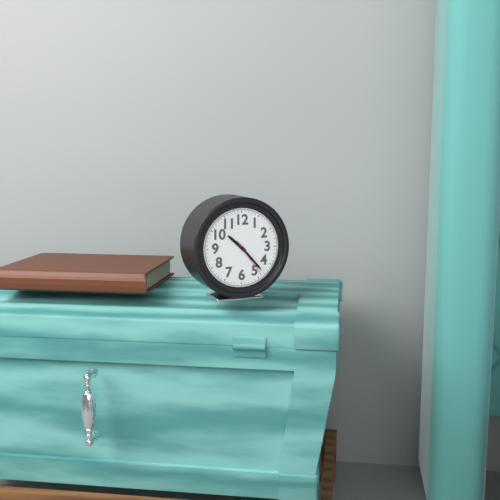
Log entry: {"hour": 10, "minute": 23}
